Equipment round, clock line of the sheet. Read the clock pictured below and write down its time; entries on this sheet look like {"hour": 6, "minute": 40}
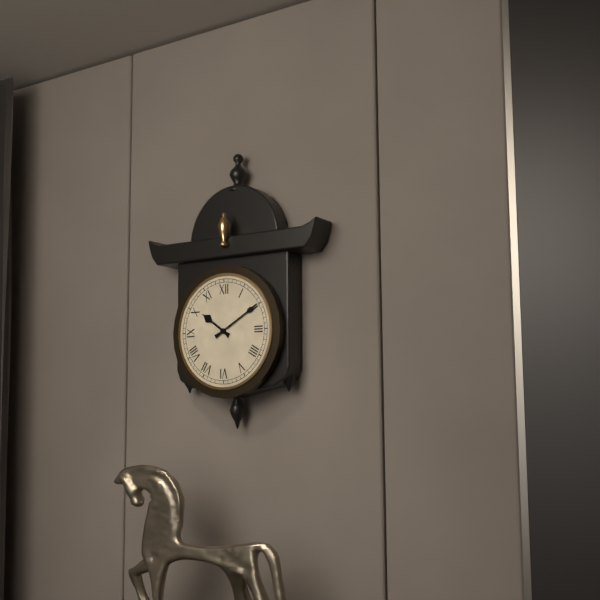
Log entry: {"hour": 10, "minute": 10}
